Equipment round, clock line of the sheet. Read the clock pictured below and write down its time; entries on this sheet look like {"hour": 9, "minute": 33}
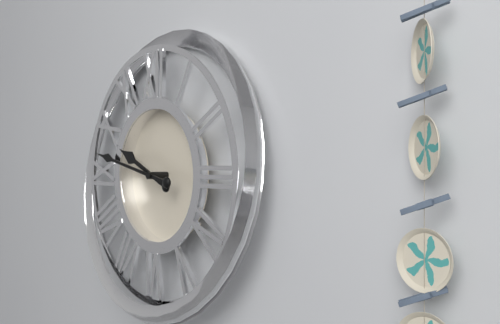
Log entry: {"hour": 9, "minute": 47}
